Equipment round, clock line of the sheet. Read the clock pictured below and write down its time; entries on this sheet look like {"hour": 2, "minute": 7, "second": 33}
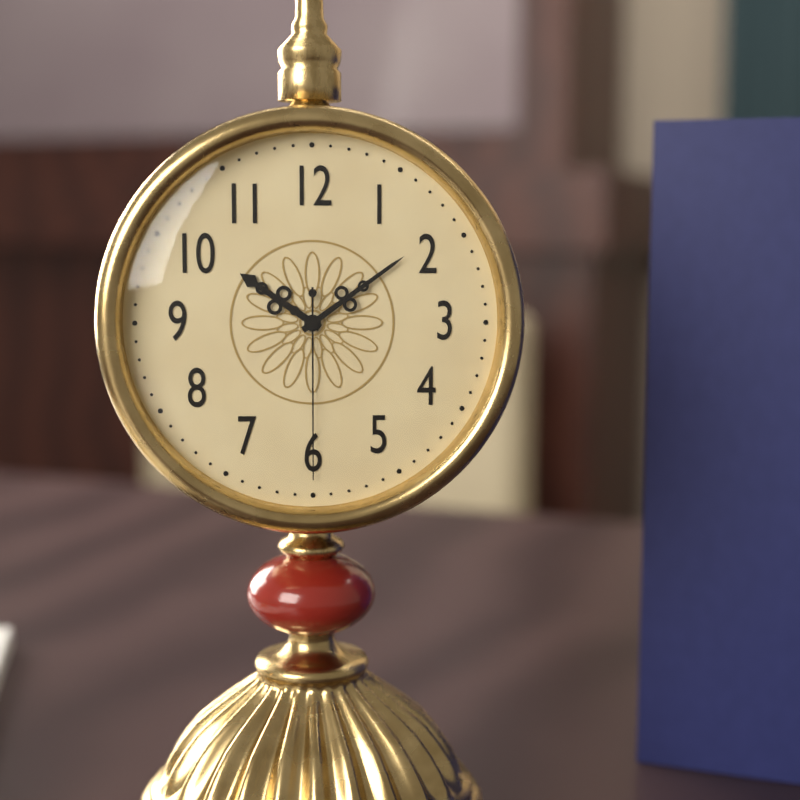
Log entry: {"hour": 10, "minute": 9, "second": 30}
